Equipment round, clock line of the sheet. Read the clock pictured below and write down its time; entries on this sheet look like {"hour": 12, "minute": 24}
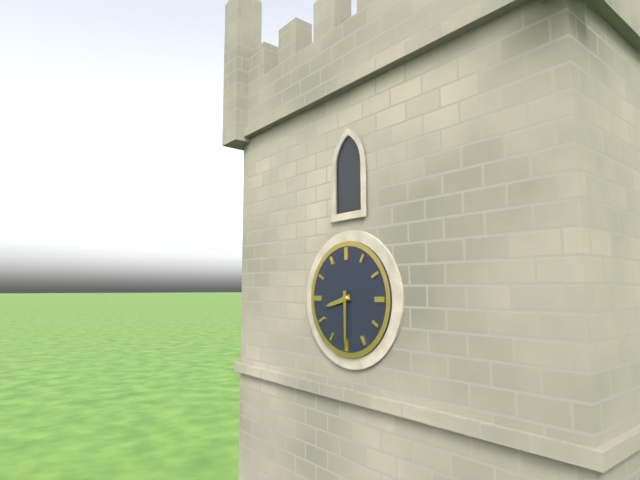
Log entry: {"hour": 8, "minute": 30}
